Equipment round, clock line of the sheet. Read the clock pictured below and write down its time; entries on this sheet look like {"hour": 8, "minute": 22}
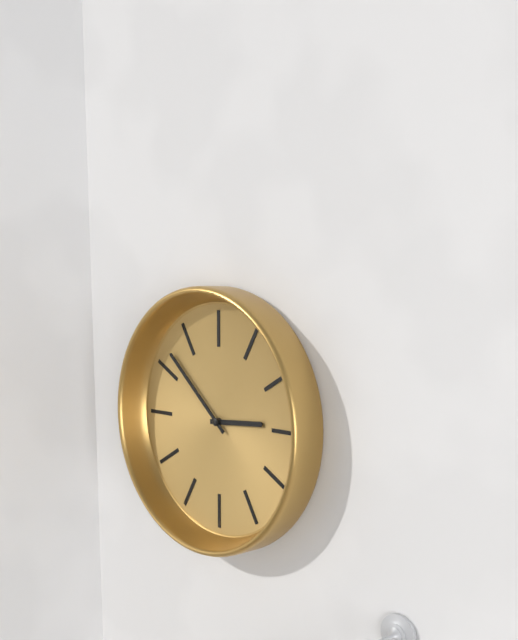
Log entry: {"hour": 2, "minute": 52}
